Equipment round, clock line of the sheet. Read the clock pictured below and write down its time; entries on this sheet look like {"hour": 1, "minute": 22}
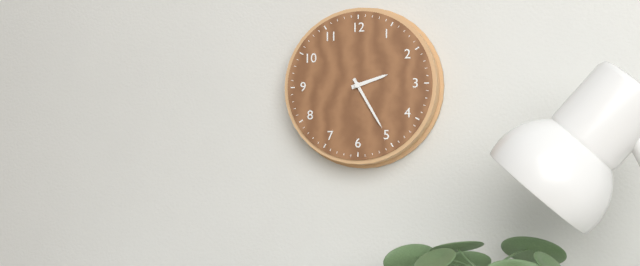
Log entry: {"hour": 2, "minute": 25}
